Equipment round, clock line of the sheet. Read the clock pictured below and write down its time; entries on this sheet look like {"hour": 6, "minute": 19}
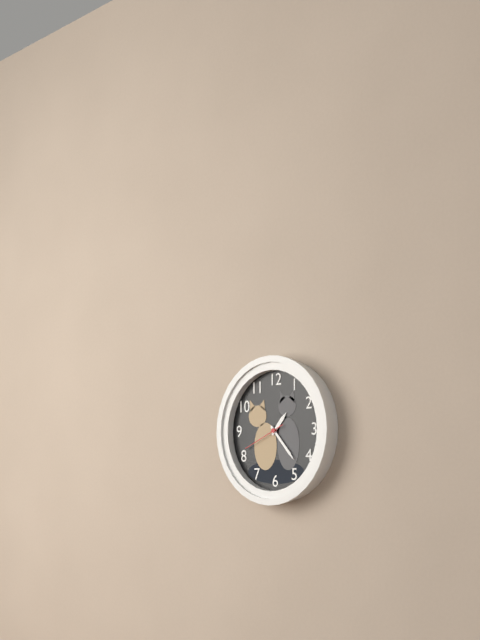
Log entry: {"hour": 1, "minute": 23}
